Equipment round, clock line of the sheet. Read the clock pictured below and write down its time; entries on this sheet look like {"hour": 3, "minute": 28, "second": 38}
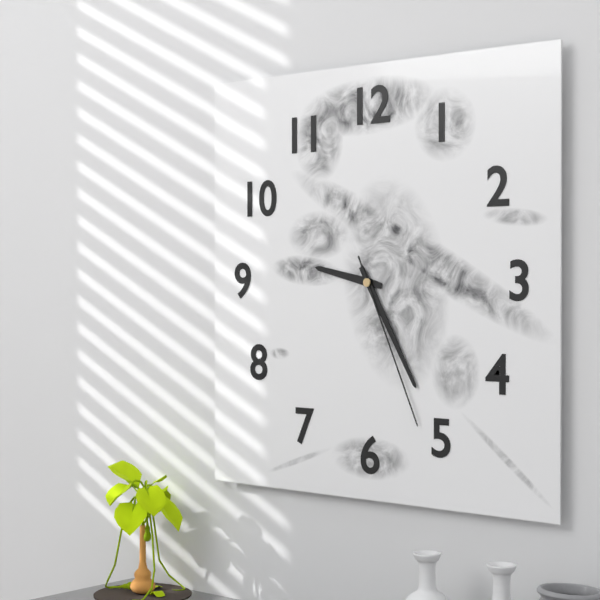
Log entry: {"hour": 9, "minute": 25, "second": 26}
